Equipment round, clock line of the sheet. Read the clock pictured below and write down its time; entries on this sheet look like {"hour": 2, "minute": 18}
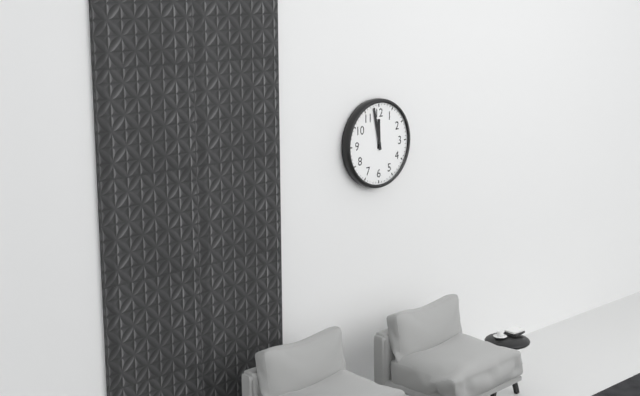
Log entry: {"hour": 11, "minute": 58}
